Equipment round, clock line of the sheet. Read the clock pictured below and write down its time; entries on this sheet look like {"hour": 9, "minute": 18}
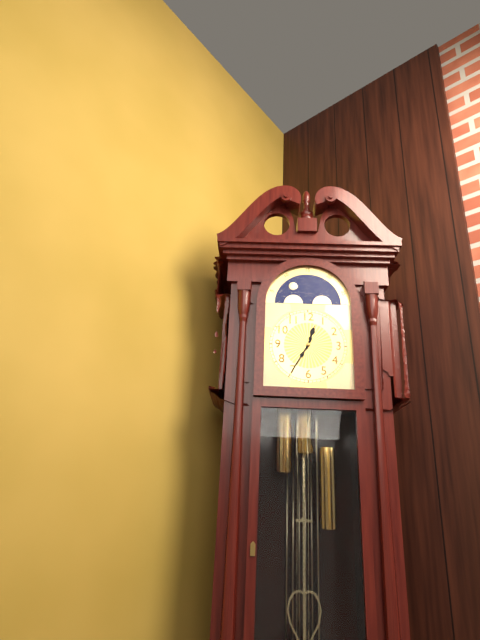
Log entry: {"hour": 12, "minute": 35}
